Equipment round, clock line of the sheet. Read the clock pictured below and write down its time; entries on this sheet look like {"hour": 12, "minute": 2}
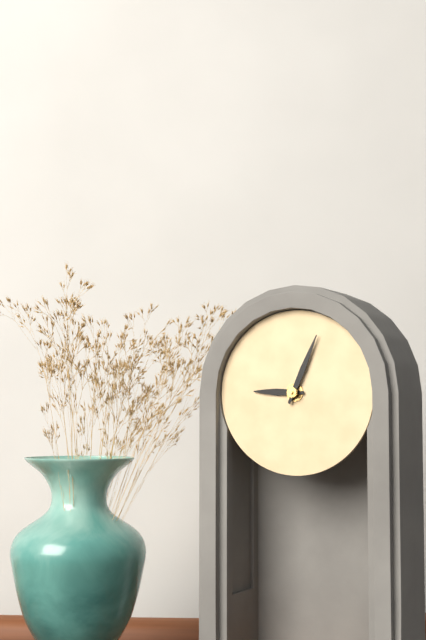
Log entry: {"hour": 9, "minute": 4}
